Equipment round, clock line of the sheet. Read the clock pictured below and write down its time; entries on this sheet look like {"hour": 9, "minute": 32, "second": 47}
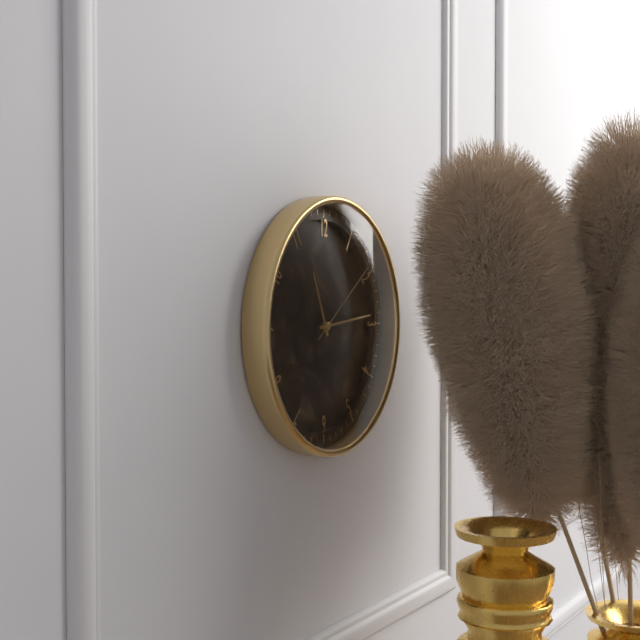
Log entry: {"hour": 11, "minute": 14, "second": 9}
